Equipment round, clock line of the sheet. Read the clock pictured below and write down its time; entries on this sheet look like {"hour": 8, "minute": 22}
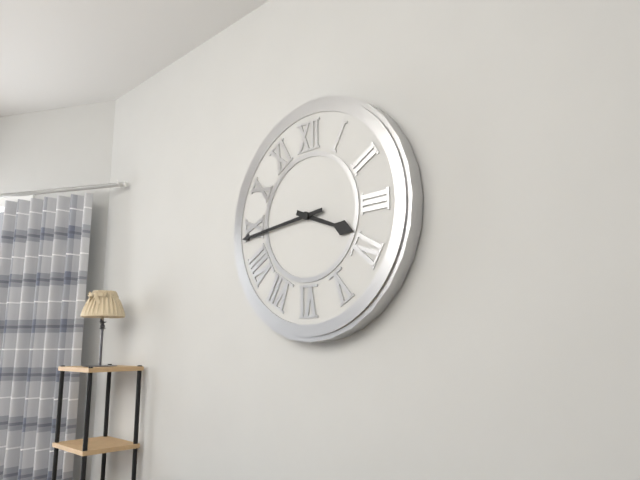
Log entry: {"hour": 3, "minute": 44}
